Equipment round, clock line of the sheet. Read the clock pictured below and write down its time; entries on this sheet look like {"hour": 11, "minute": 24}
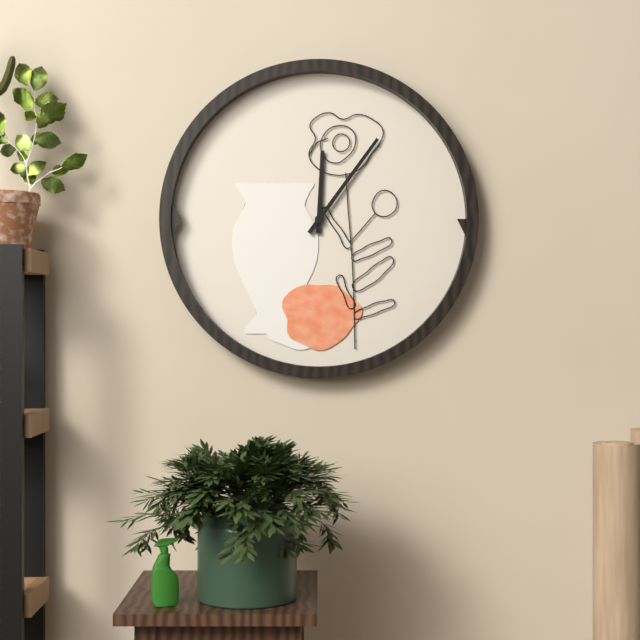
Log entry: {"hour": 12, "minute": 6}
